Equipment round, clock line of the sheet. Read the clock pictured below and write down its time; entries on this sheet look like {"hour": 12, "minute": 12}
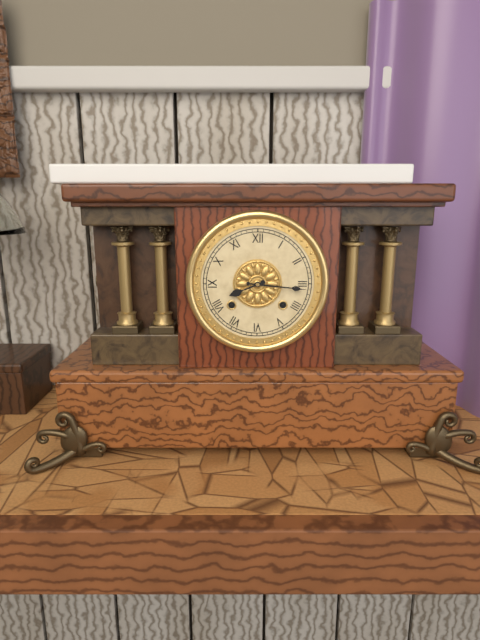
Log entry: {"hour": 8, "minute": 16}
